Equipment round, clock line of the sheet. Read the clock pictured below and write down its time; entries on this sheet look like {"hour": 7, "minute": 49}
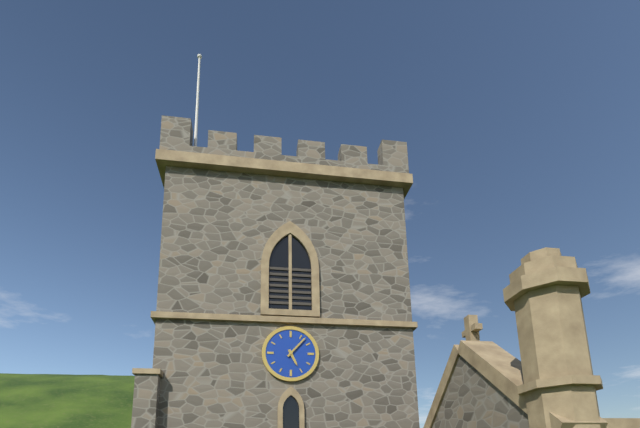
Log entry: {"hour": 5, "minute": 7}
